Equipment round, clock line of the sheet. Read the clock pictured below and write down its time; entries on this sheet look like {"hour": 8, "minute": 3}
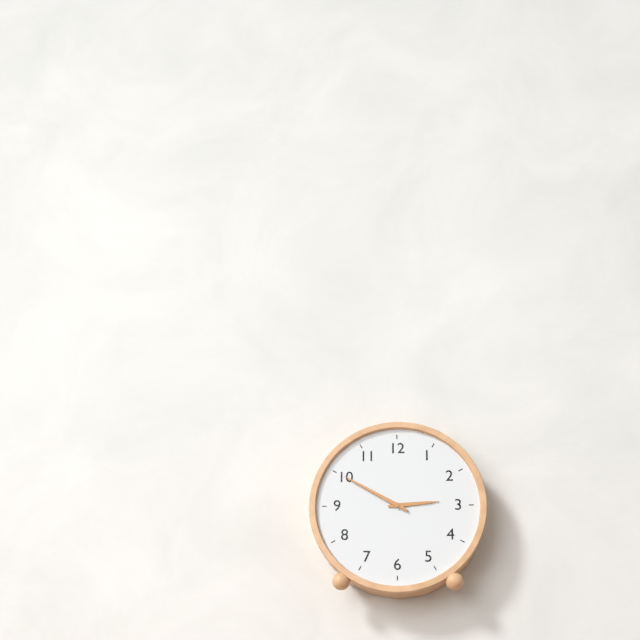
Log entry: {"hour": 2, "minute": 50}
